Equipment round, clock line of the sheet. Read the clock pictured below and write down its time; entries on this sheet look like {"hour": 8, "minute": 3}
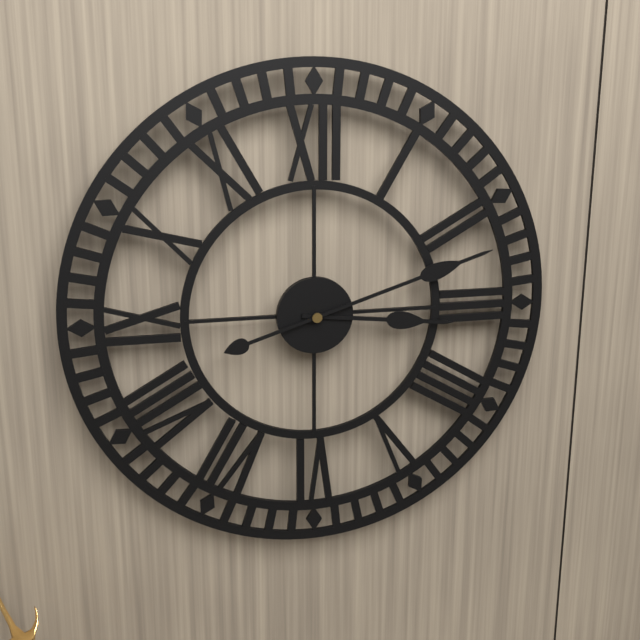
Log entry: {"hour": 3, "minute": 12}
